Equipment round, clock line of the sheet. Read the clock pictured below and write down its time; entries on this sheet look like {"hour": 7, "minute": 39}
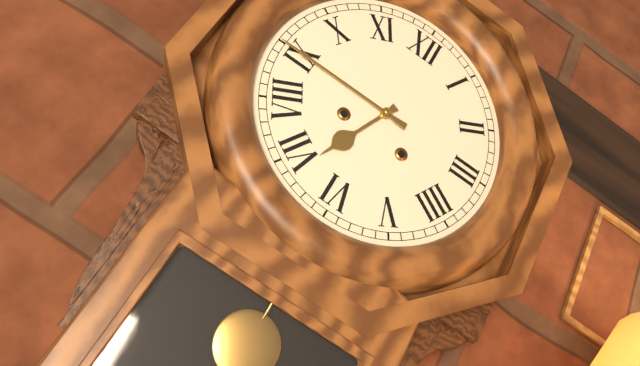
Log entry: {"hour": 6, "minute": 45}
